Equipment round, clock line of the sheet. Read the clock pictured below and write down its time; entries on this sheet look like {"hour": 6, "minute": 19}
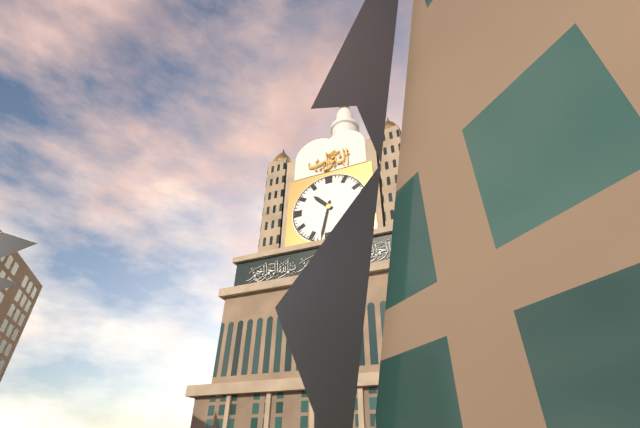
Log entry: {"hour": 10, "minute": 32}
